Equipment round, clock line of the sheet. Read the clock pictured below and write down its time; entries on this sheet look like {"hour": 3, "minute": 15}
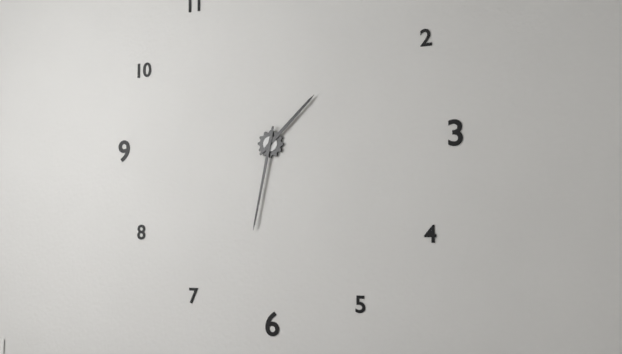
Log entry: {"hour": 1, "minute": 32}
